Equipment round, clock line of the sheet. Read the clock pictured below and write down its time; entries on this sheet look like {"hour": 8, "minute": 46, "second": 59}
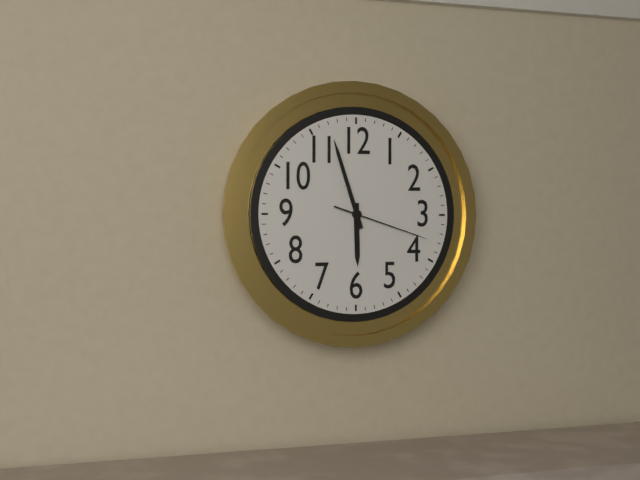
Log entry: {"hour": 5, "minute": 57, "second": 18}
